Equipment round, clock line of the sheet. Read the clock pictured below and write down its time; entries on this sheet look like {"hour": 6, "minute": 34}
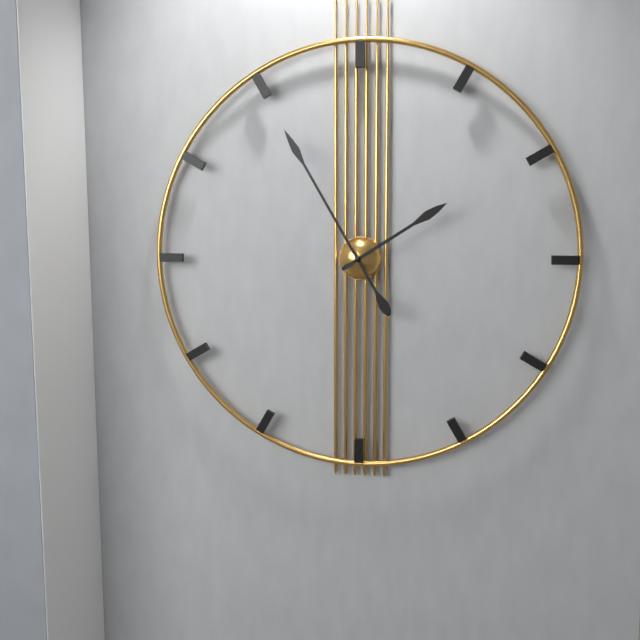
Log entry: {"hour": 1, "minute": 55}
